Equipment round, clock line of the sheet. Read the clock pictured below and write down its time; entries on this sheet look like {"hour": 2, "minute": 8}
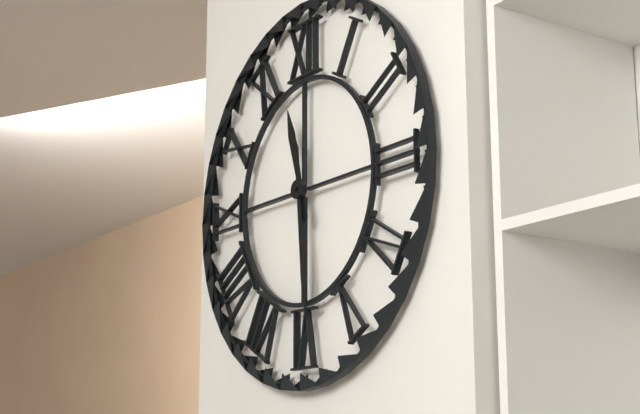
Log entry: {"hour": 11, "minute": 29}
